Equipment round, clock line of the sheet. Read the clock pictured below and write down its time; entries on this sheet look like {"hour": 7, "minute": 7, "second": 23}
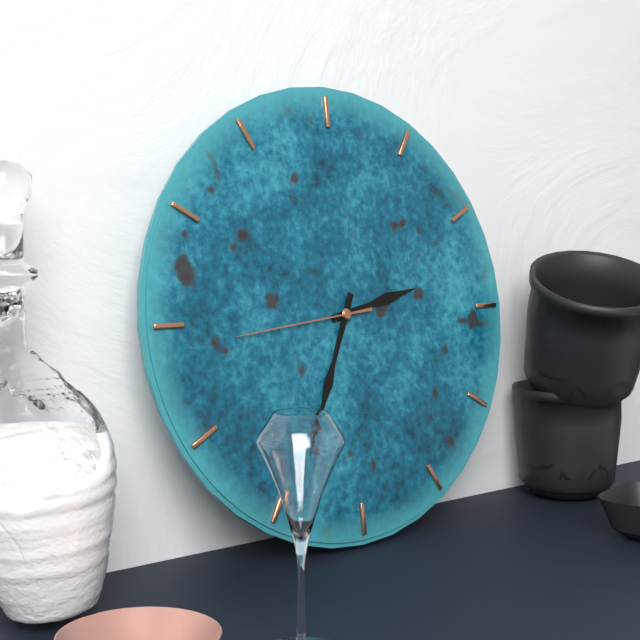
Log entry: {"hour": 2, "minute": 34, "second": 44}
